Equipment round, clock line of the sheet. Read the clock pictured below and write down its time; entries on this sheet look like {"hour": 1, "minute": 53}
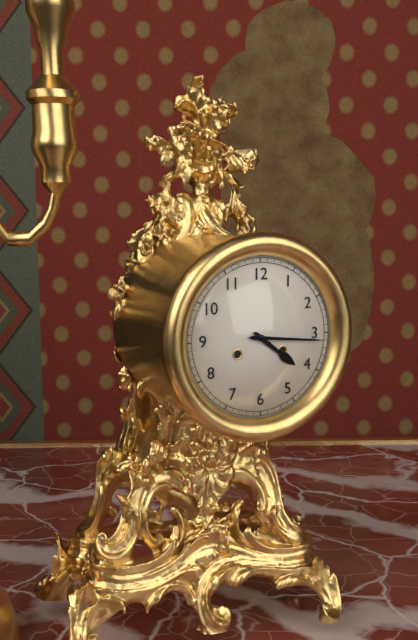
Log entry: {"hour": 4, "minute": 16}
